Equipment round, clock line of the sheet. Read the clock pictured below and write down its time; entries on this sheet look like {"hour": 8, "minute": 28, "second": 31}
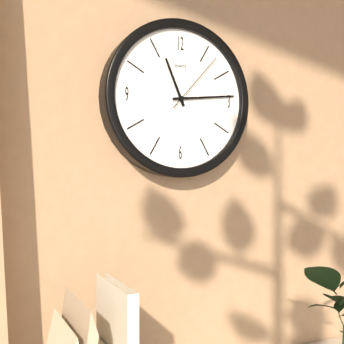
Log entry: {"hour": 11, "minute": 14, "second": 7}
